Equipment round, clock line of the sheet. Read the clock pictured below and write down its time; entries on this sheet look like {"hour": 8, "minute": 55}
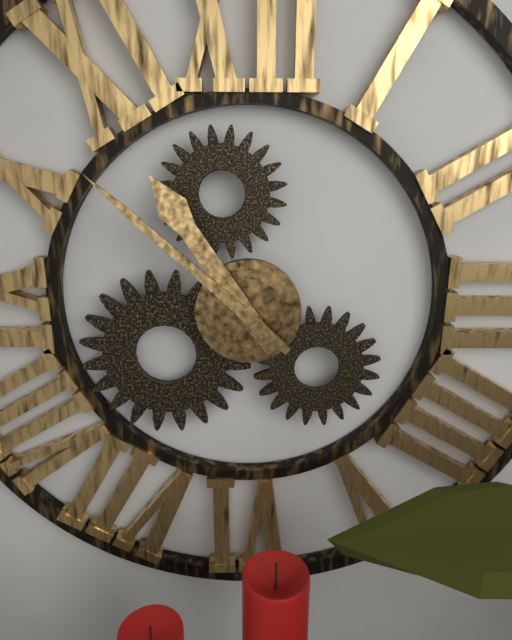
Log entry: {"hour": 10, "minute": 52}
